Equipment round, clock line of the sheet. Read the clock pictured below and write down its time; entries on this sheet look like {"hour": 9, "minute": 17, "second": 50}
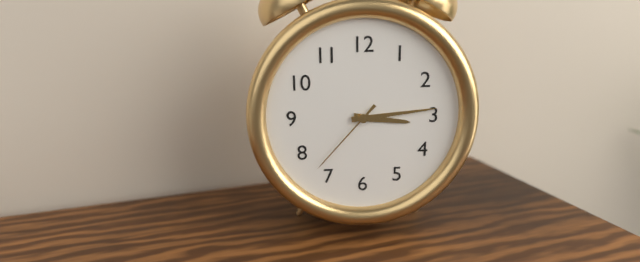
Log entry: {"hour": 3, "minute": 14, "second": 37}
